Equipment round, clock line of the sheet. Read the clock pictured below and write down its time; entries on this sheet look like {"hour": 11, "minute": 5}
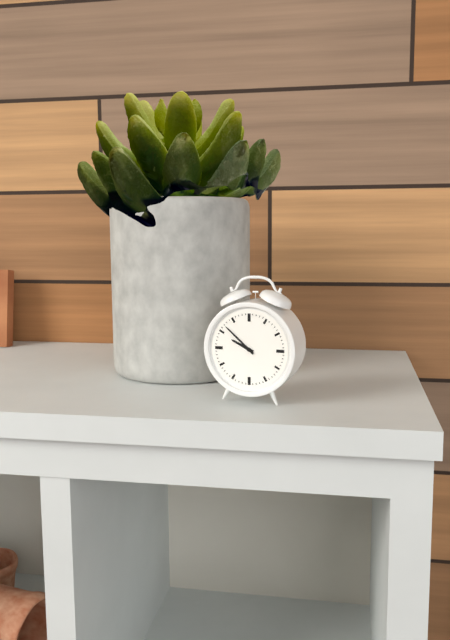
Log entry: {"hour": 9, "minute": 52}
